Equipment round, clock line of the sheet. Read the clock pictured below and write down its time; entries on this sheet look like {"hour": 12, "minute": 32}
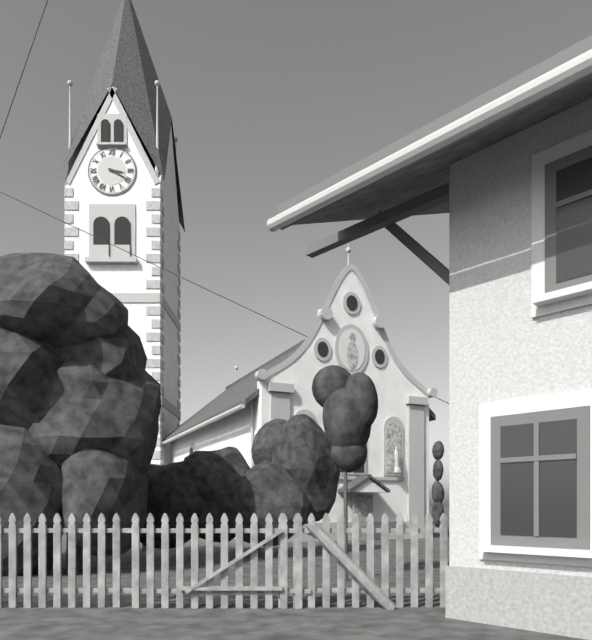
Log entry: {"hour": 3, "minute": 20}
